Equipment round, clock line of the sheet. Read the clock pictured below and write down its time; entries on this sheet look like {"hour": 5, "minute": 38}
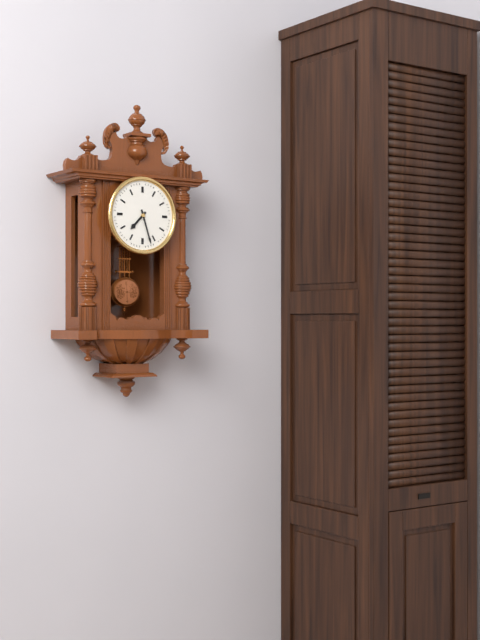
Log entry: {"hour": 7, "minute": 27}
